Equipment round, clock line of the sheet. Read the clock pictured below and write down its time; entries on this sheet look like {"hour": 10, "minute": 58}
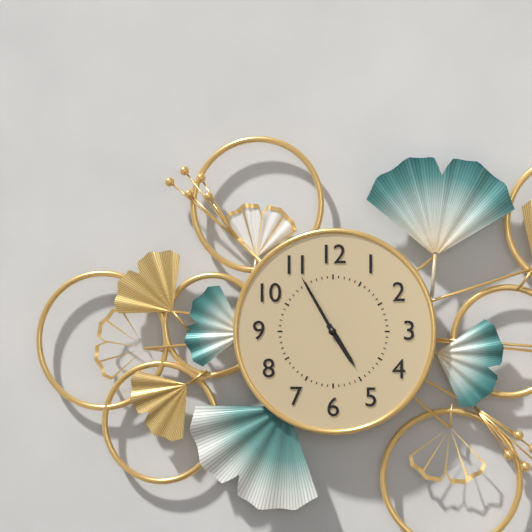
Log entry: {"hour": 4, "minute": 55}
